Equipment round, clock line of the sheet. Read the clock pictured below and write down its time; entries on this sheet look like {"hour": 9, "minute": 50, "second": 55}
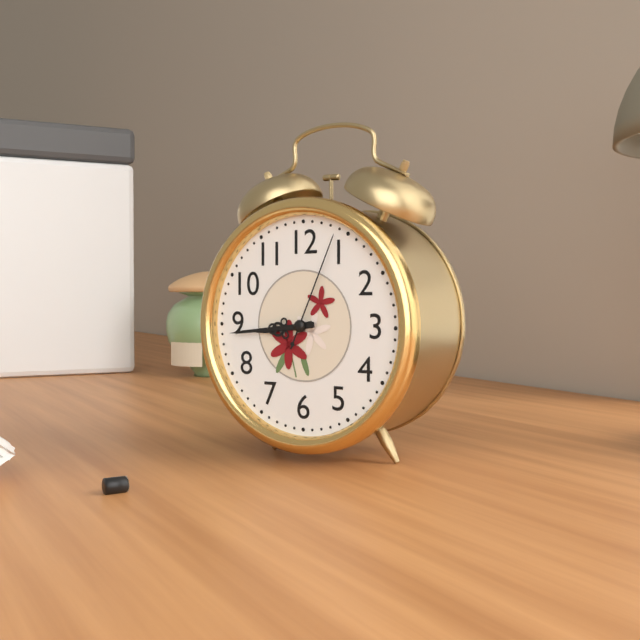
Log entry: {"hour": 8, "minute": 44, "second": 4}
